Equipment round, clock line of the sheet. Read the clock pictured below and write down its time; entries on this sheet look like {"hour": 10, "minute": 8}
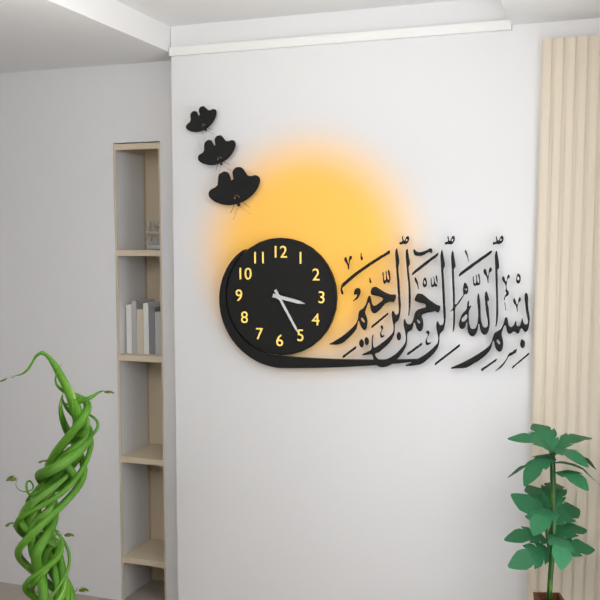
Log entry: {"hour": 3, "minute": 25}
